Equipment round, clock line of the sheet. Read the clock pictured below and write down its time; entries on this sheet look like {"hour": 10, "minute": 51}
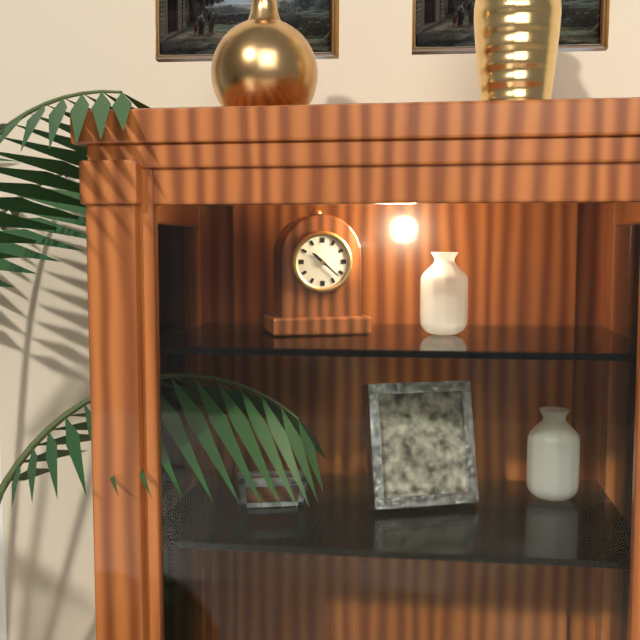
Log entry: {"hour": 10, "minute": 22}
